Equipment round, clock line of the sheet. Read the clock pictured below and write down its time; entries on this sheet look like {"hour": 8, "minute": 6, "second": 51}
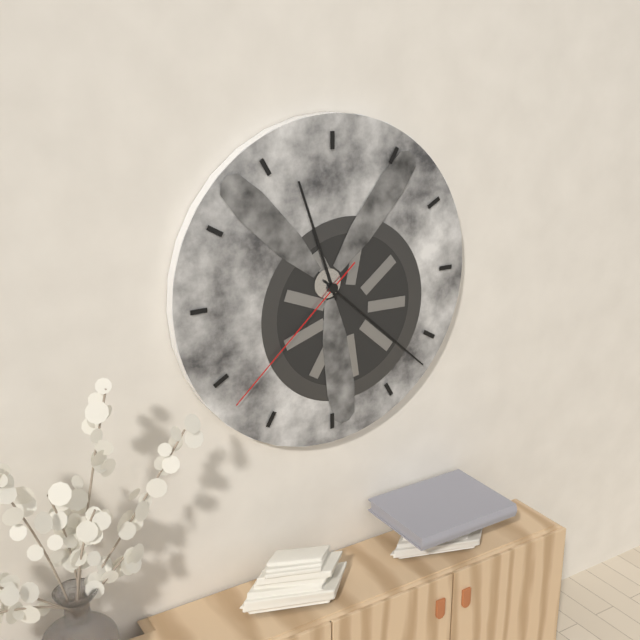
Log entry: {"hour": 11, "minute": 22, "second": 38}
